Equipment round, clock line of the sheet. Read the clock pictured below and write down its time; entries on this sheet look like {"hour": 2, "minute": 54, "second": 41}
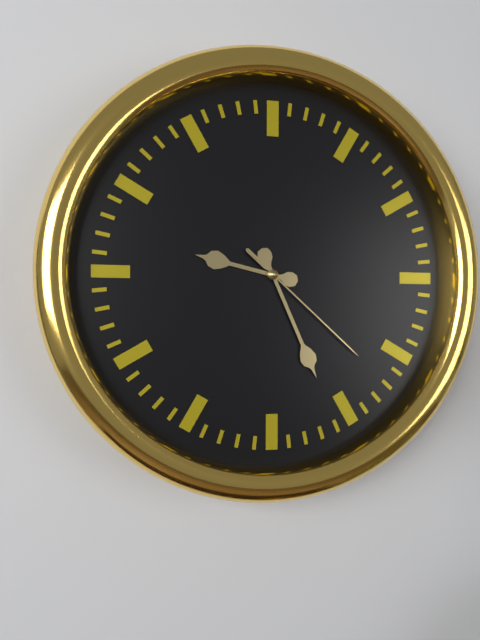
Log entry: {"hour": 9, "minute": 26, "second": 22}
